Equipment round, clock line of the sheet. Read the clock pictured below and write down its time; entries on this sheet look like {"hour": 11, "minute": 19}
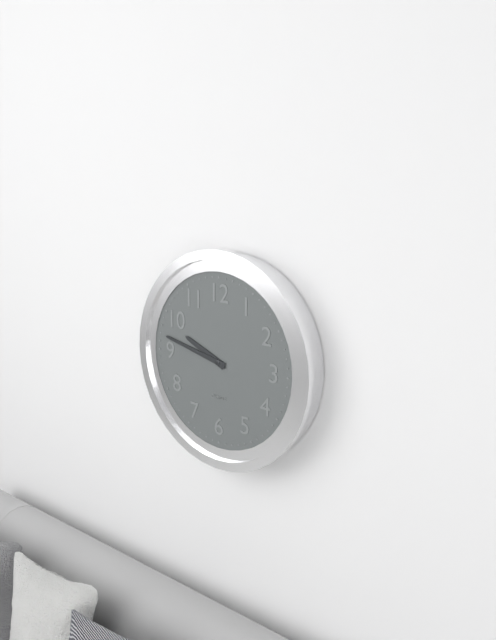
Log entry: {"hour": 9, "minute": 47}
